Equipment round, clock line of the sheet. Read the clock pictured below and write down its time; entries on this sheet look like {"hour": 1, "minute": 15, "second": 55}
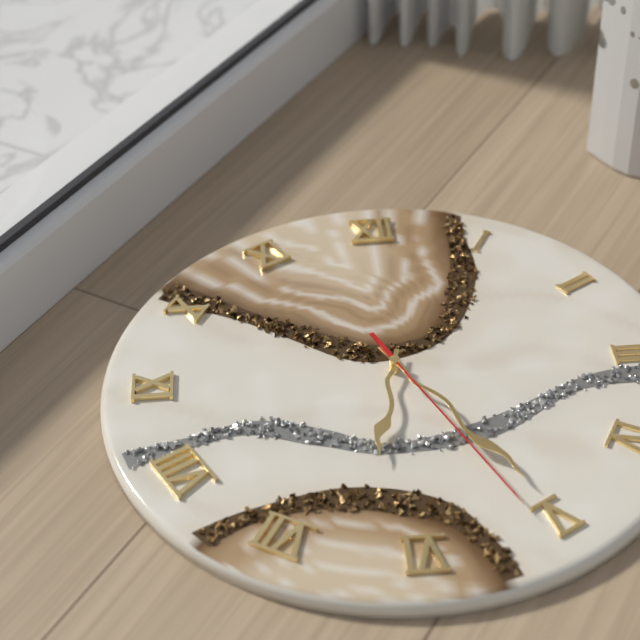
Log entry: {"hour": 6, "minute": 25, "second": 26}
